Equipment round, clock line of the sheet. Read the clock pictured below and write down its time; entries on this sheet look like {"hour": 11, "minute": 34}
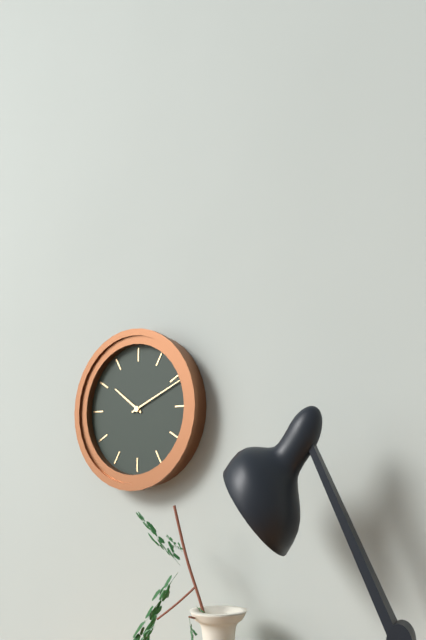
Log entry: {"hour": 10, "minute": 11}
